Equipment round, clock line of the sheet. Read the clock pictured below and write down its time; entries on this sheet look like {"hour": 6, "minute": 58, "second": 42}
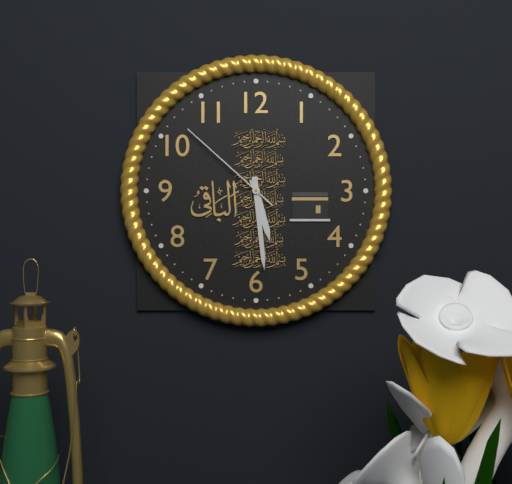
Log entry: {"hour": 5, "minute": 29, "second": 52}
